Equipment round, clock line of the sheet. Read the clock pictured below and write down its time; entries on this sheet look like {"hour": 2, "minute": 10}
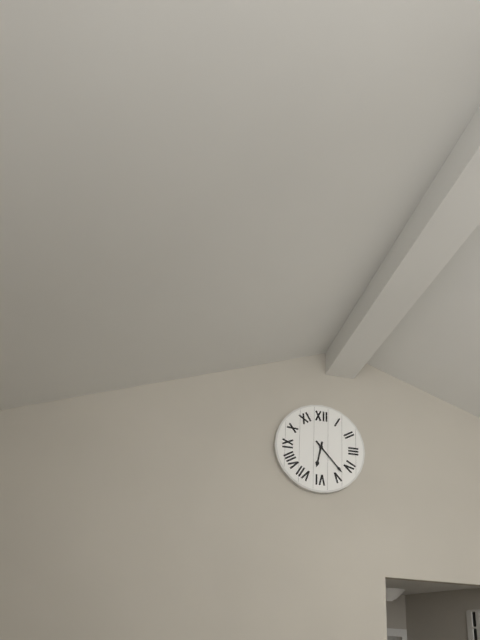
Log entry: {"hour": 6, "minute": 23}
